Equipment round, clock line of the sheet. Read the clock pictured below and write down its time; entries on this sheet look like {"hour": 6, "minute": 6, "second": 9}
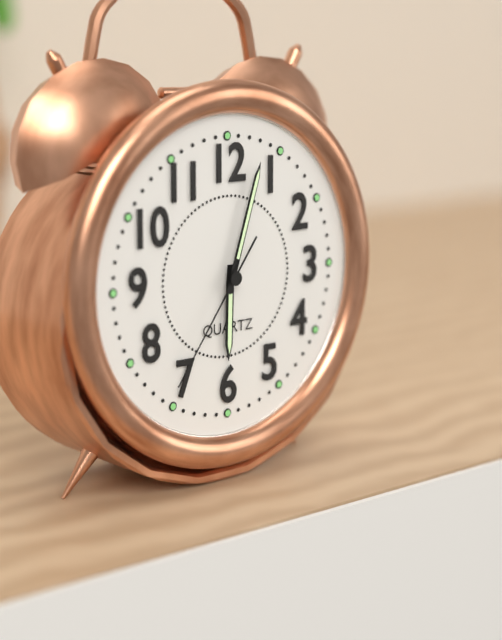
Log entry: {"hour": 6, "minute": 3, "second": 36}
